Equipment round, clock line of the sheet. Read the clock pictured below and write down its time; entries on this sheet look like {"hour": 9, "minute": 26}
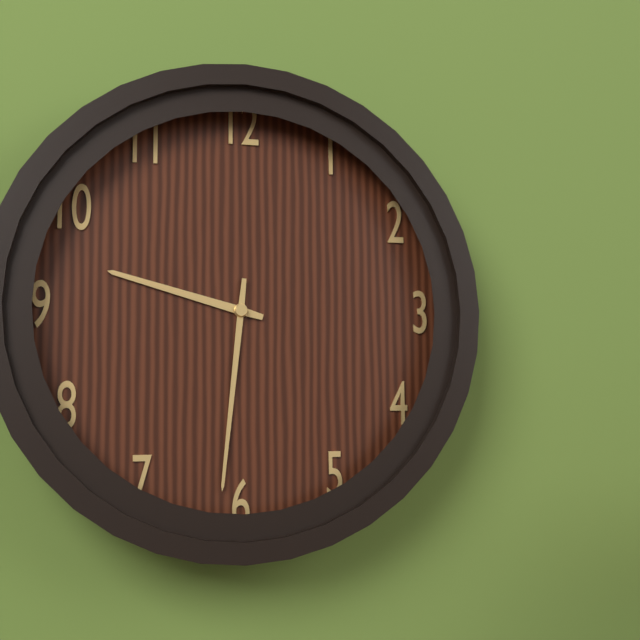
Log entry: {"hour": 9, "minute": 31}
